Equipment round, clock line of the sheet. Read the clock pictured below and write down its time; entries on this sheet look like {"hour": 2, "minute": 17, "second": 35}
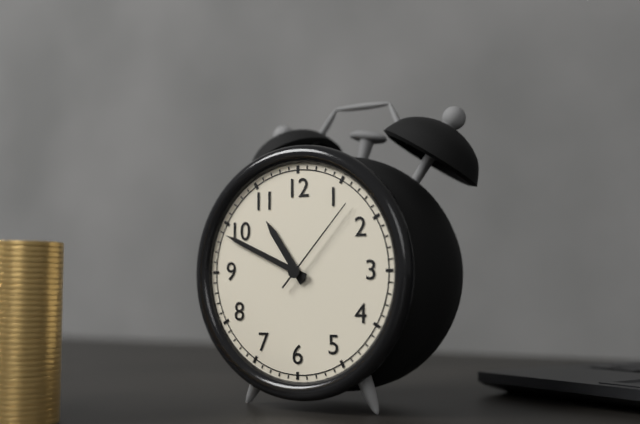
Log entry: {"hour": 10, "minute": 49, "second": 7}
